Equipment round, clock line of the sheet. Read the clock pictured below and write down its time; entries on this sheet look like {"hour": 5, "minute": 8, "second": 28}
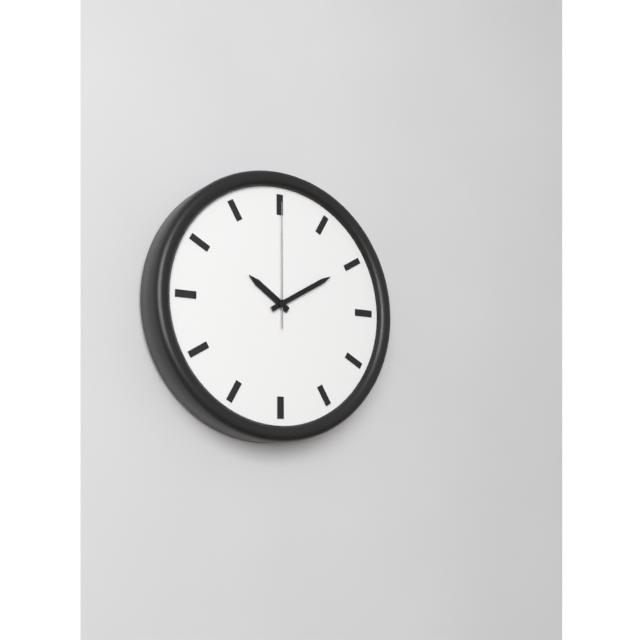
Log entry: {"hour": 10, "minute": 10, "second": 0}
